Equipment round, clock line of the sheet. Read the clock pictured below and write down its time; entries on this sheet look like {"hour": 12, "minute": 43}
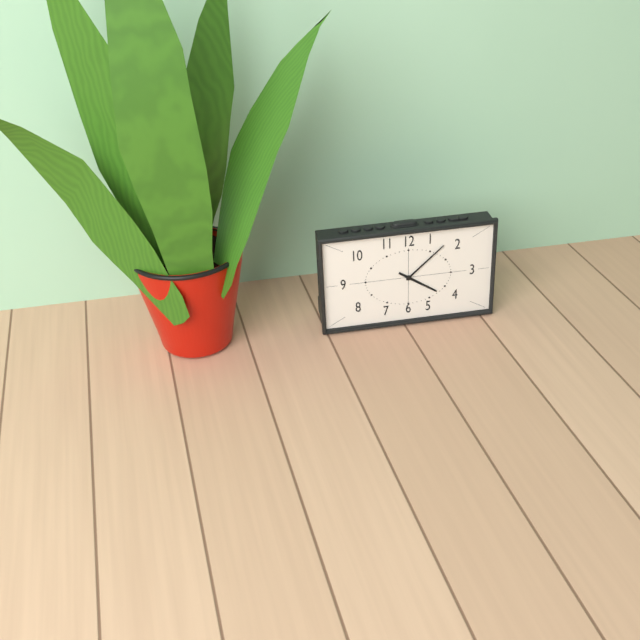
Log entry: {"hour": 4, "minute": 8}
